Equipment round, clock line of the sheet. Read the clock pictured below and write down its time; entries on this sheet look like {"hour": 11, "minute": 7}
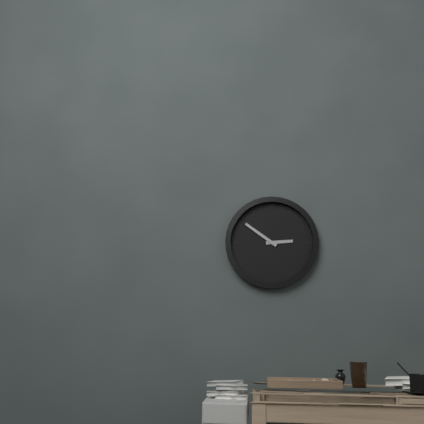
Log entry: {"hour": 2, "minute": 51}
